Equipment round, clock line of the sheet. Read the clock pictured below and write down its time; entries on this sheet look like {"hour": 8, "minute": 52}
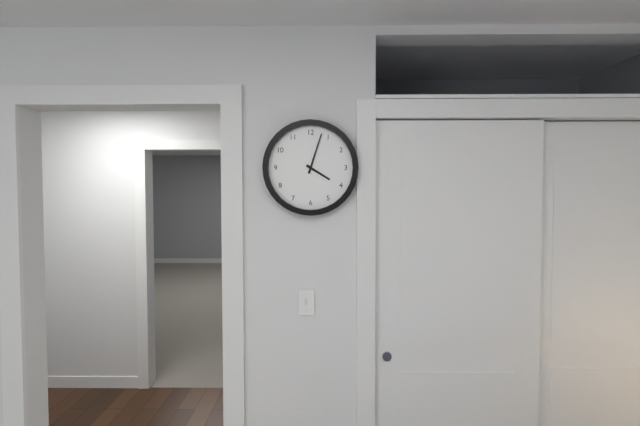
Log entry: {"hour": 4, "minute": 3}
